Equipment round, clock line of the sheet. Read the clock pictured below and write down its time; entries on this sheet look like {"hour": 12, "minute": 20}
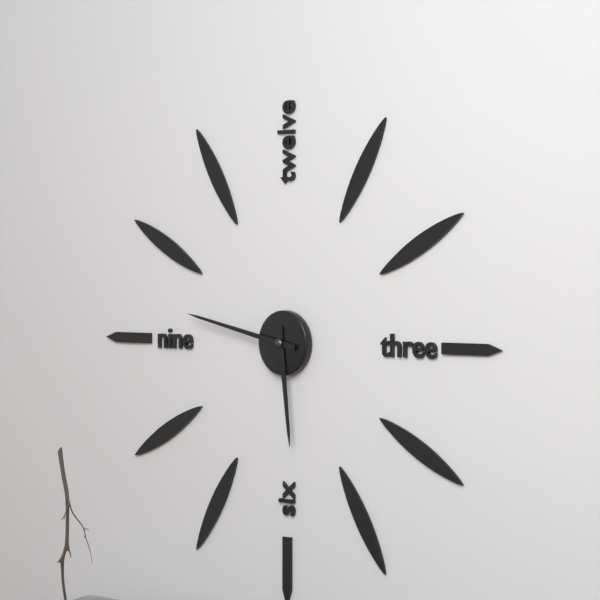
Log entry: {"hour": 5, "minute": 47}
